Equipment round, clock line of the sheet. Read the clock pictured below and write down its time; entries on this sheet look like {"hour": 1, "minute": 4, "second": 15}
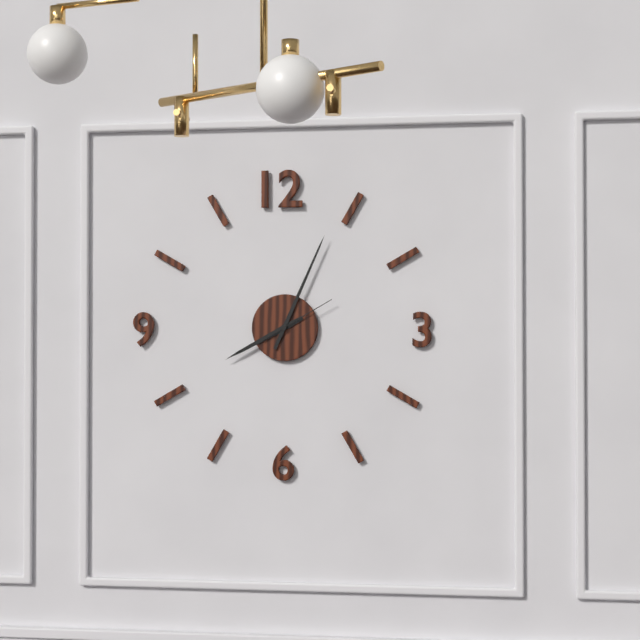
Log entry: {"hour": 8, "minute": 4, "second": 10}
